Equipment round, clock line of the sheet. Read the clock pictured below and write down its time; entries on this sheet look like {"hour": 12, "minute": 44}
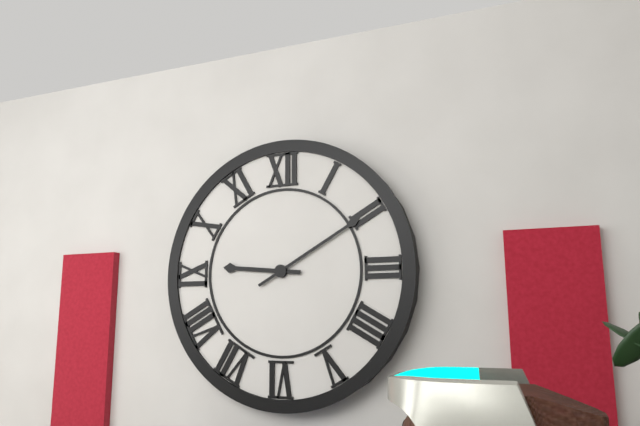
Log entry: {"hour": 9, "minute": 10}
